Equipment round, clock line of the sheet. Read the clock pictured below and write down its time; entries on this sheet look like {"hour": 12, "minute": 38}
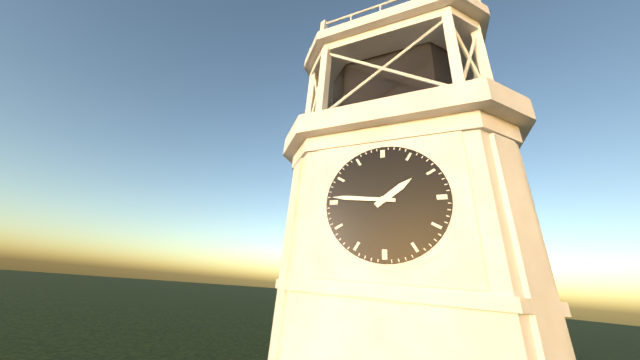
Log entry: {"hour": 1, "minute": 46}
